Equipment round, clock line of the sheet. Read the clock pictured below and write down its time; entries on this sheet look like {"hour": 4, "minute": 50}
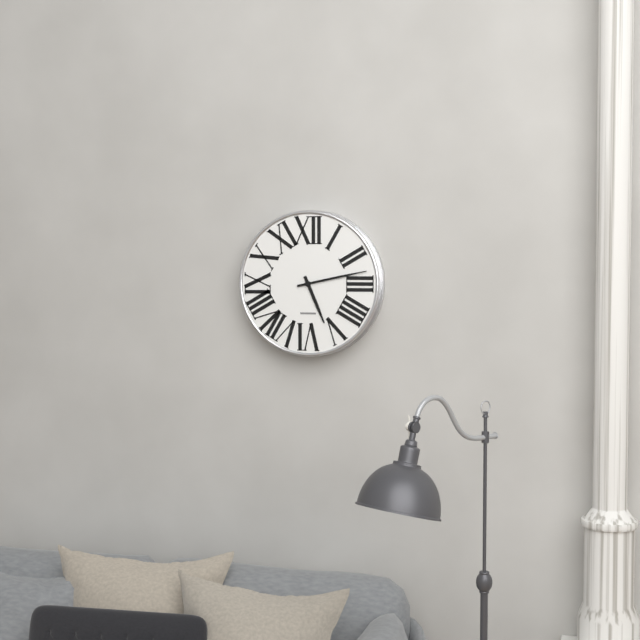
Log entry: {"hour": 5, "minute": 13}
